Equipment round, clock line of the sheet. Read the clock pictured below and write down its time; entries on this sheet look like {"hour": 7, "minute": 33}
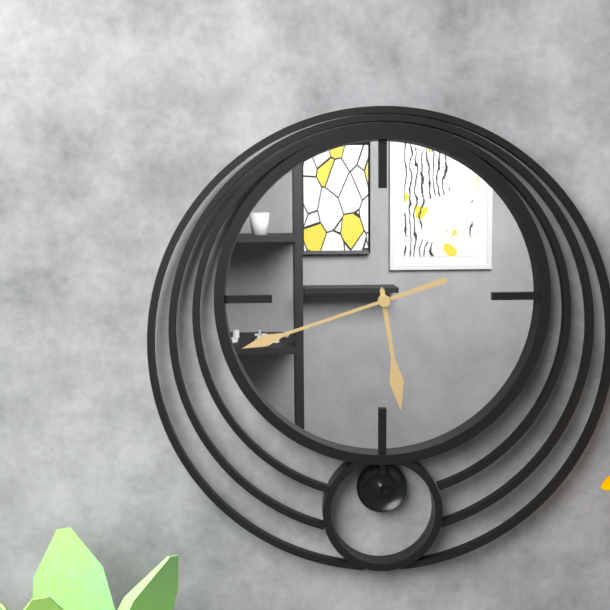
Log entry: {"hour": 5, "minute": 42}
